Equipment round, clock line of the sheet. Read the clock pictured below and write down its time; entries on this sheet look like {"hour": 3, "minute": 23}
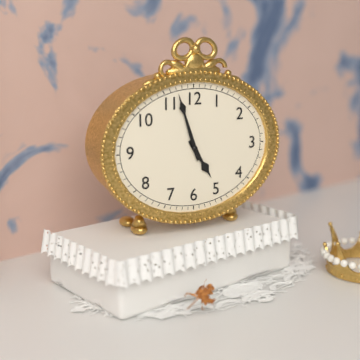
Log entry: {"hour": 4, "minute": 57}
